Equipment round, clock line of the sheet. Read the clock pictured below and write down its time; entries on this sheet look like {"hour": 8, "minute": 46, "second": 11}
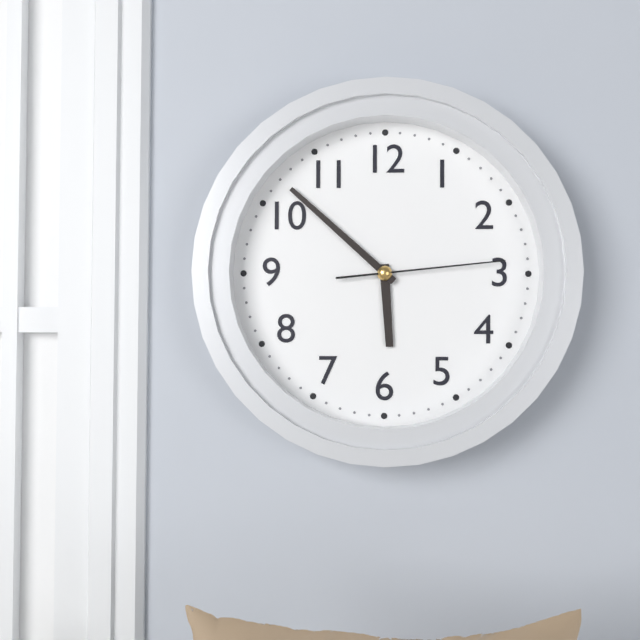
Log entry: {"hour": 5, "minute": 52, "second": 14}
